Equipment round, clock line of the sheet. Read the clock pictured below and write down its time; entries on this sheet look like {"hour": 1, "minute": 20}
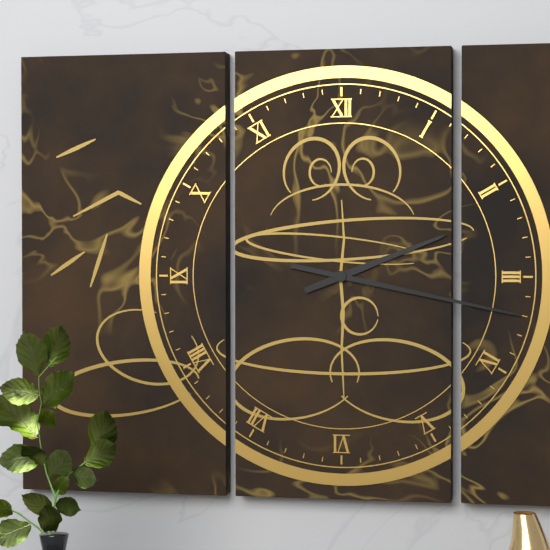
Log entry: {"hour": 2, "minute": 17}
